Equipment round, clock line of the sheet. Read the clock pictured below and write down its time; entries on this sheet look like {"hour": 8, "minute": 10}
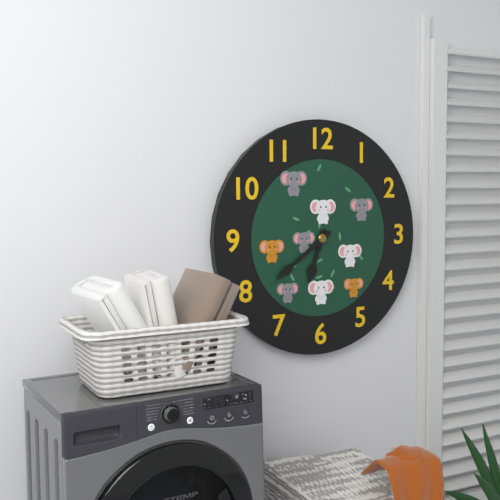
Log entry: {"hour": 6, "minute": 39}
